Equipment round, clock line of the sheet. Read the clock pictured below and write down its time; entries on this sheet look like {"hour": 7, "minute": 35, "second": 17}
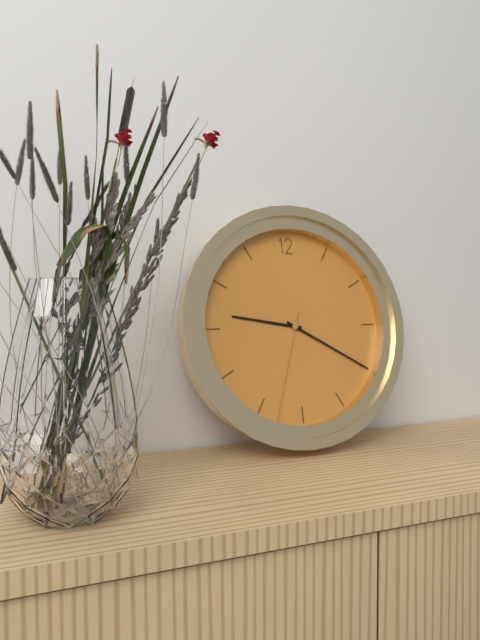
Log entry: {"hour": 9, "minute": 20, "second": 33}
